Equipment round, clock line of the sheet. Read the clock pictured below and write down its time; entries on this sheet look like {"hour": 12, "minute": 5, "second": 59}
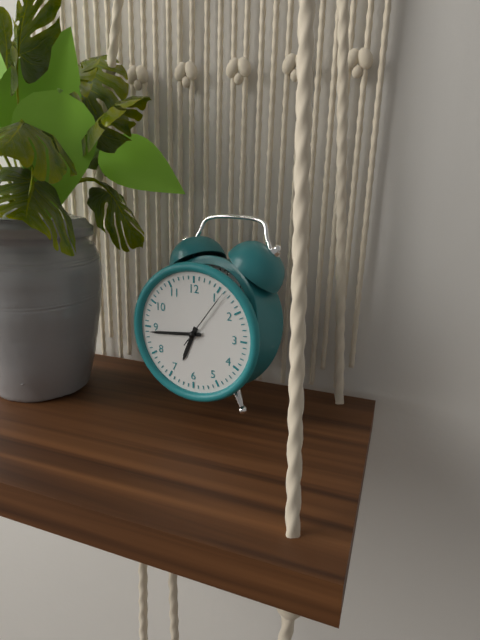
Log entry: {"hour": 6, "minute": 44, "second": 6}
